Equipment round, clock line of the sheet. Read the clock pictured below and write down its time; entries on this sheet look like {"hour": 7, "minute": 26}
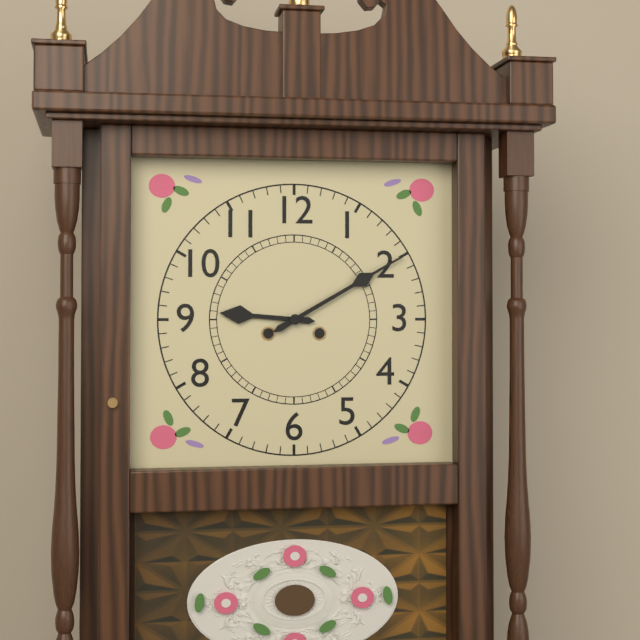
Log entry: {"hour": 9, "minute": 10}
